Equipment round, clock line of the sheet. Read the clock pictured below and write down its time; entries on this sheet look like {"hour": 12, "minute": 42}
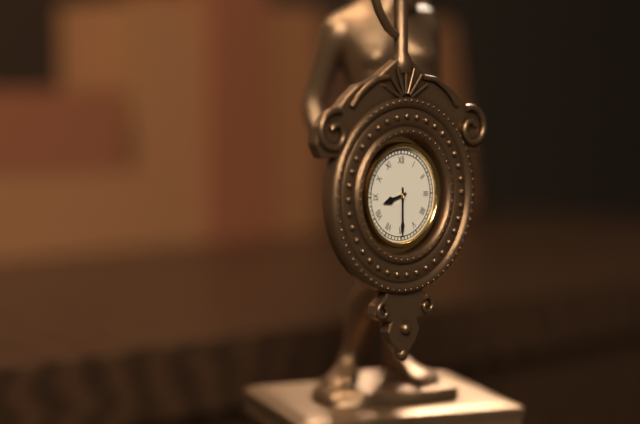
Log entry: {"hour": 8, "minute": 30}
